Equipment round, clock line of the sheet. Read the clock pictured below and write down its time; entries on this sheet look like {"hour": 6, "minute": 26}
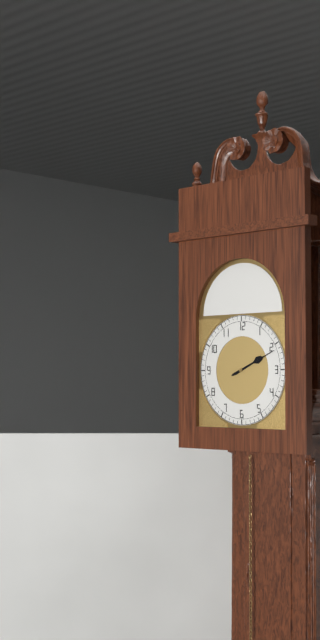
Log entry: {"hour": 2, "minute": 11}
